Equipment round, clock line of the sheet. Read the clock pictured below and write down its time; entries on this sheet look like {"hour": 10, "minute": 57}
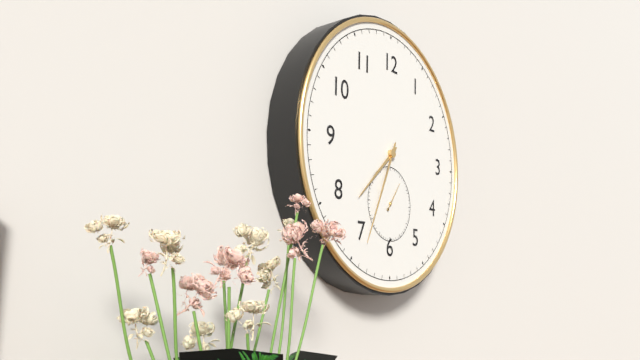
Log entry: {"hour": 7, "minute": 34}
